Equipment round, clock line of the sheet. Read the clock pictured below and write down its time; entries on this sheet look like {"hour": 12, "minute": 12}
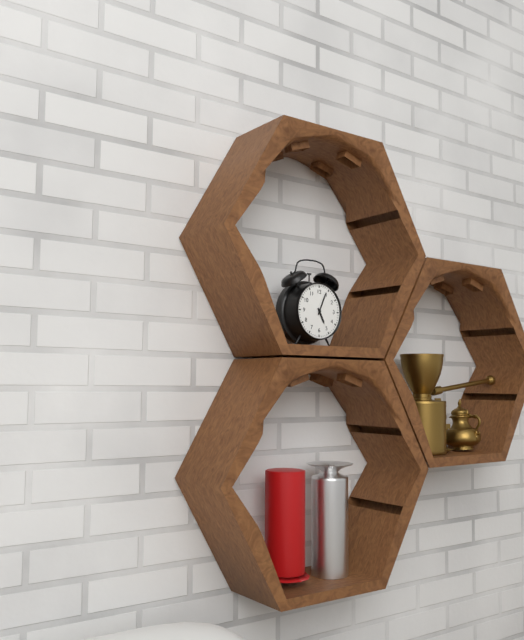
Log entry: {"hour": 5, "minute": 4}
